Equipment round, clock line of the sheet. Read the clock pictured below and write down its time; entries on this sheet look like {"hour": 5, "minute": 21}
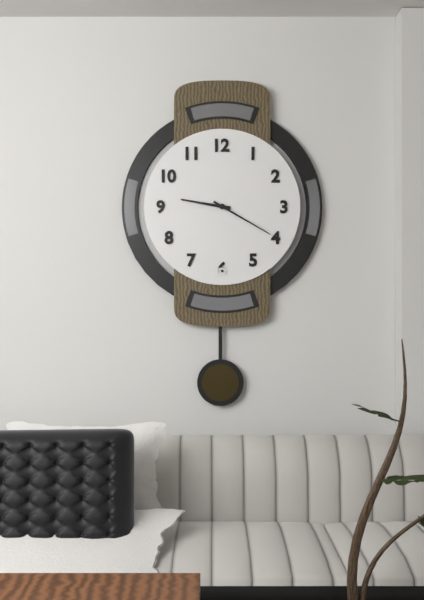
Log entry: {"hour": 9, "minute": 20}
